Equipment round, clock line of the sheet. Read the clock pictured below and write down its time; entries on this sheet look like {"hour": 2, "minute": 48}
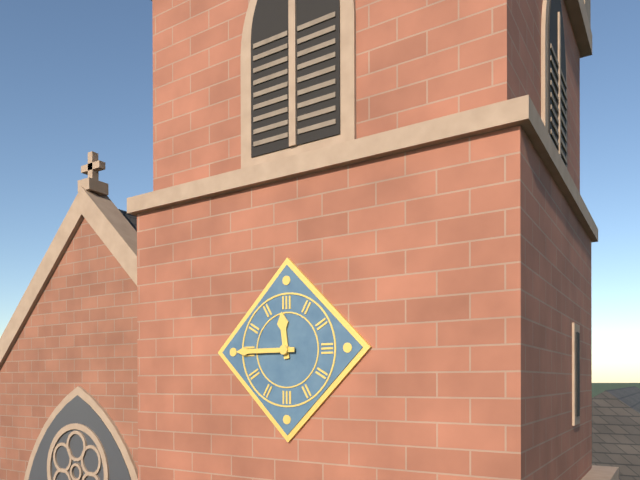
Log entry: {"hour": 11, "minute": 45}
